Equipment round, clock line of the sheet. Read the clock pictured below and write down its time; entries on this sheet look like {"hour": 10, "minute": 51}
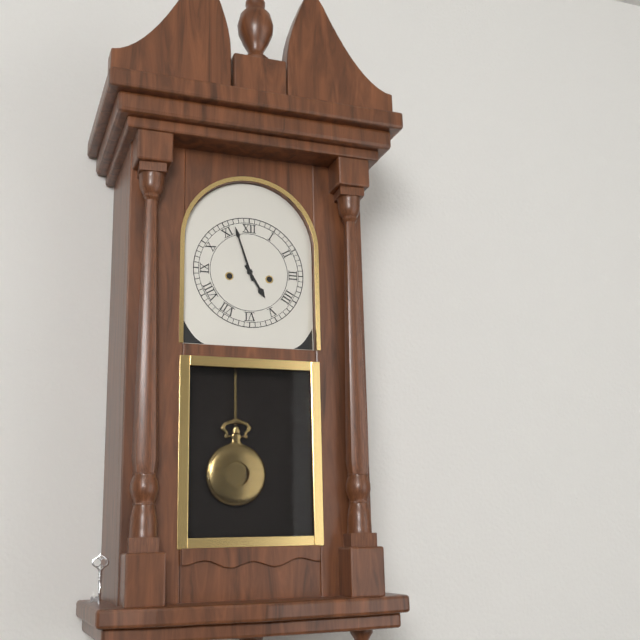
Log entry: {"hour": 4, "minute": 57}
